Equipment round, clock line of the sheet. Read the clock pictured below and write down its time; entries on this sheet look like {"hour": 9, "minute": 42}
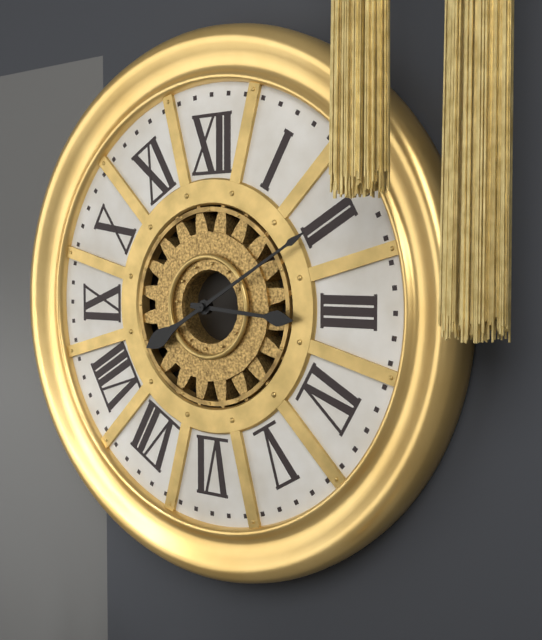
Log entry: {"hour": 3, "minute": 10}
